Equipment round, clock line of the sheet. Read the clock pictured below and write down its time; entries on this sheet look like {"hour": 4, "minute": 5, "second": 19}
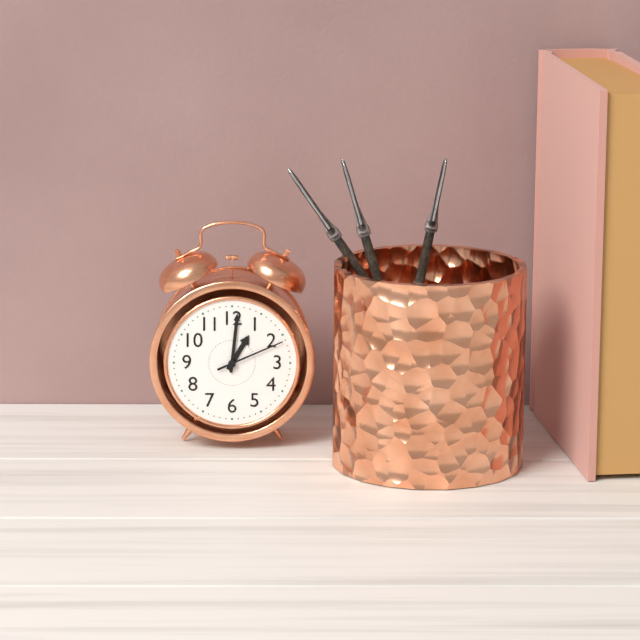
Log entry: {"hour": 1, "minute": 1, "second": 11}
